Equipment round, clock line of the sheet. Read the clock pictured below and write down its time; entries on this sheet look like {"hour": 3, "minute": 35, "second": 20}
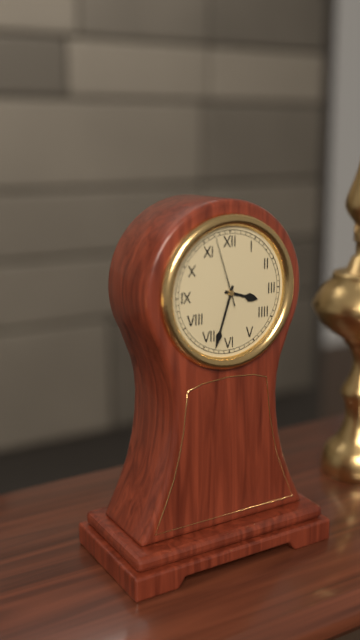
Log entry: {"hour": 3, "minute": 33, "second": 57}
